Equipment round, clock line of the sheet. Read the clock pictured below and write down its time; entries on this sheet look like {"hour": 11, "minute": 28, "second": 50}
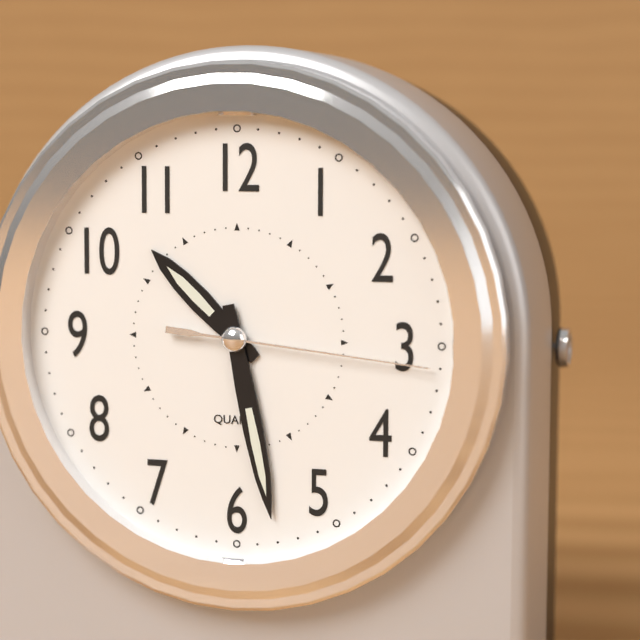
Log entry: {"hour": 10, "minute": 28, "second": 16}
